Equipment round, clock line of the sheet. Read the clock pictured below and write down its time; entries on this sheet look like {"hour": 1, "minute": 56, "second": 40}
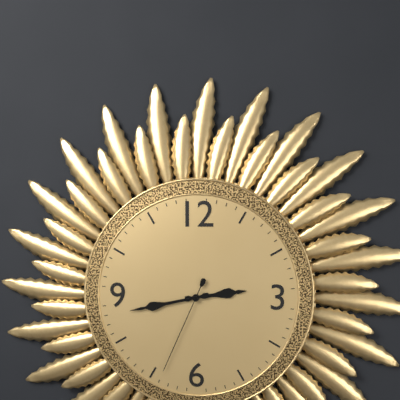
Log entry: {"hour": 2, "minute": 43, "second": 34}
